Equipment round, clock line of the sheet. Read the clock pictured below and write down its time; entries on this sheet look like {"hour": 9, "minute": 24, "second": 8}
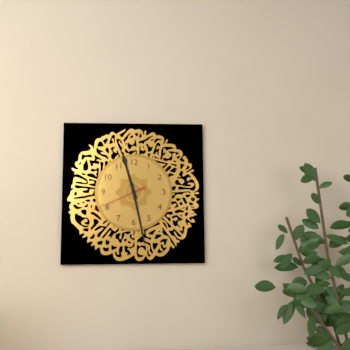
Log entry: {"hour": 11, "minute": 28, "second": 41}
